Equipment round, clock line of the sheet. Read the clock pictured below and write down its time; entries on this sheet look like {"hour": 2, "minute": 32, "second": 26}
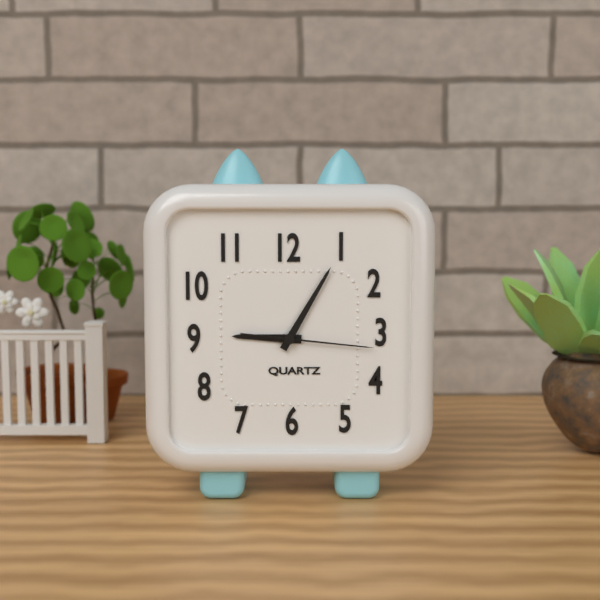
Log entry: {"hour": 9, "minute": 5, "second": 16}
